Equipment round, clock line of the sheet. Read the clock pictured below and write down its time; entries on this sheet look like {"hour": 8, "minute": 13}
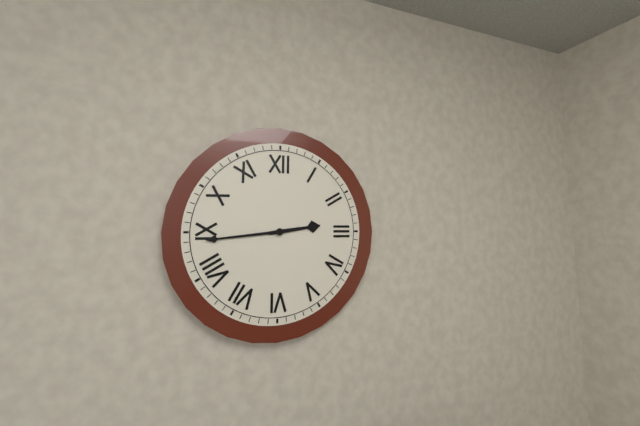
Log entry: {"hour": 2, "minute": 44}
